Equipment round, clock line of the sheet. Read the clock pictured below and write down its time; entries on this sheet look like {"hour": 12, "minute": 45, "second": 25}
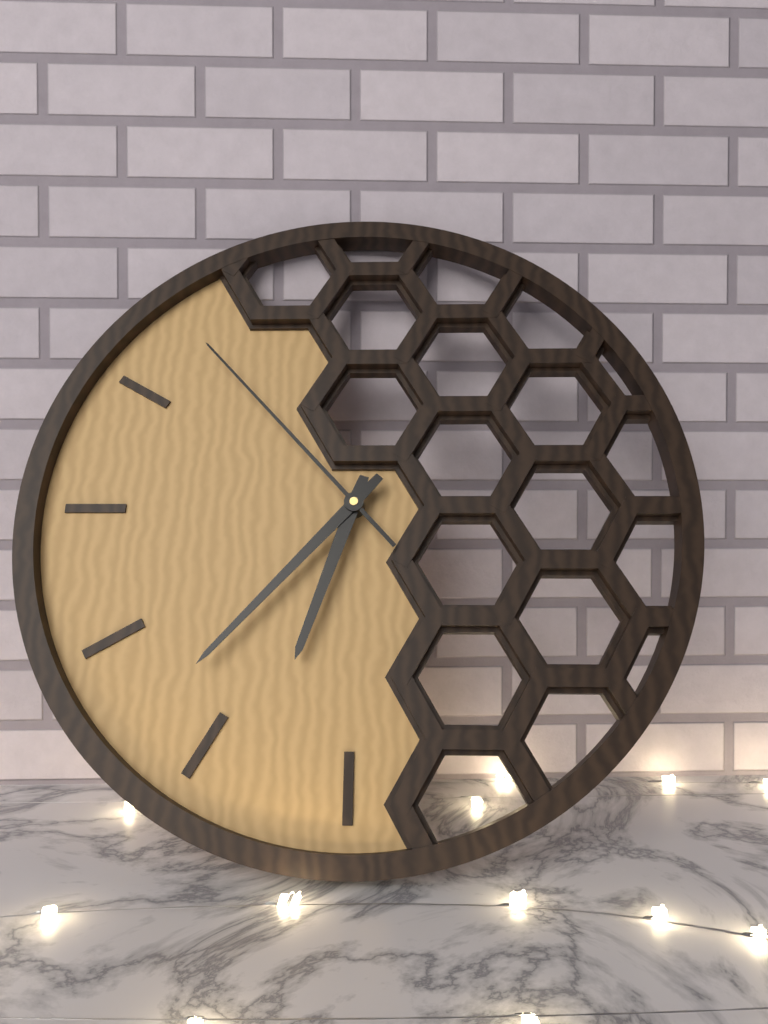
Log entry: {"hour": 6, "minute": 37, "second": 53}
